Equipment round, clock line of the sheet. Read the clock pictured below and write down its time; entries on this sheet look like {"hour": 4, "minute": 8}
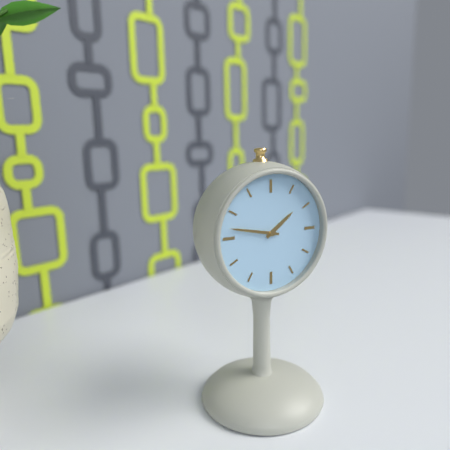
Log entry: {"hour": 1, "minute": 47}
